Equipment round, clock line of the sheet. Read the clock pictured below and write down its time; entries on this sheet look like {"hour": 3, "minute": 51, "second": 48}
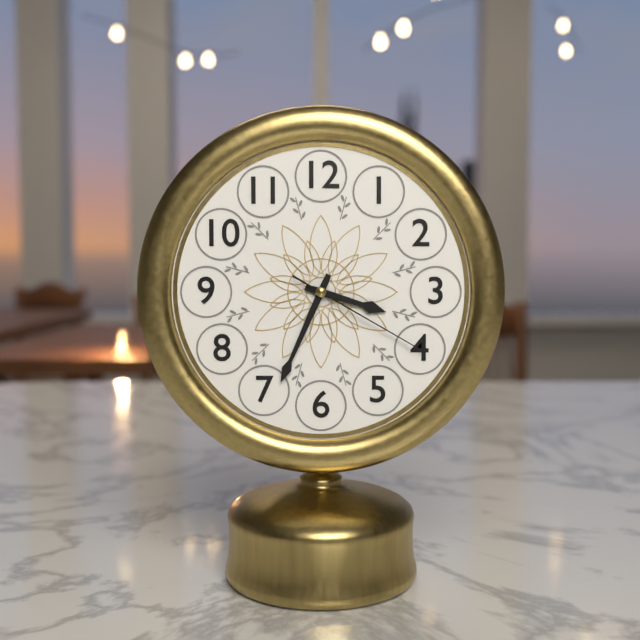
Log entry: {"hour": 3, "minute": 34, "second": 20}
